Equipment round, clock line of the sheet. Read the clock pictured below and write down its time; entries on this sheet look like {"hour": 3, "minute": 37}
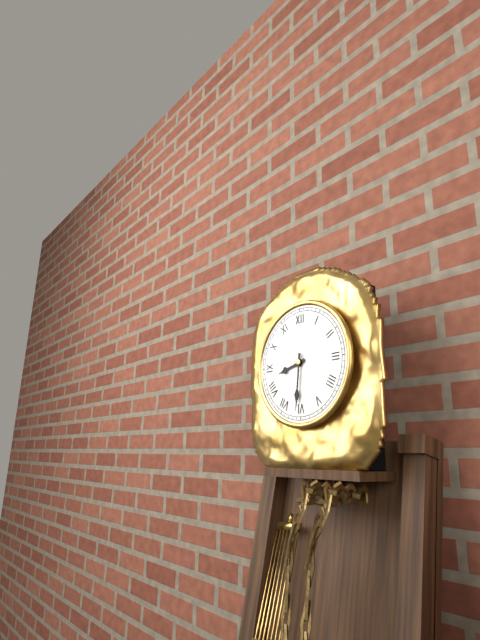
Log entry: {"hour": 8, "minute": 31}
